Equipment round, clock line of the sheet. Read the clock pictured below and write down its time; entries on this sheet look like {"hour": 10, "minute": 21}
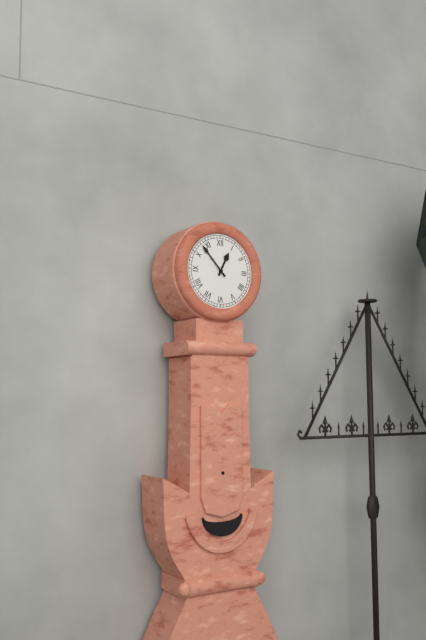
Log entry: {"hour": 12, "minute": 53}
